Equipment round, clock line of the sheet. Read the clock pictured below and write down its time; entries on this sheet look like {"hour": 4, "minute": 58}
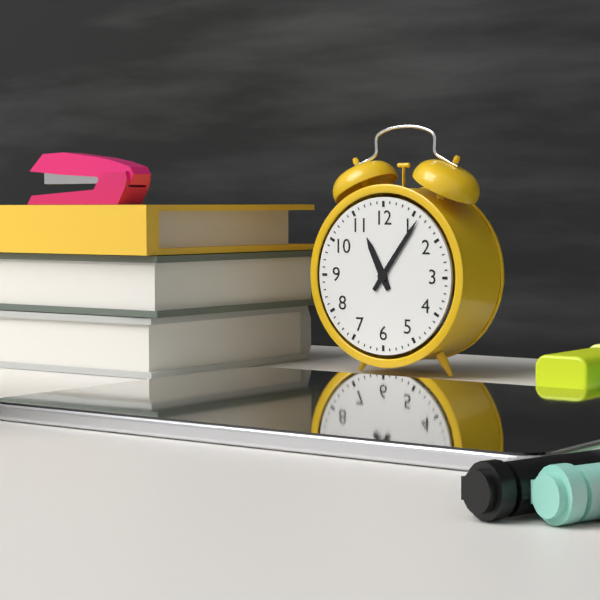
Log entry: {"hour": 11, "minute": 6}
